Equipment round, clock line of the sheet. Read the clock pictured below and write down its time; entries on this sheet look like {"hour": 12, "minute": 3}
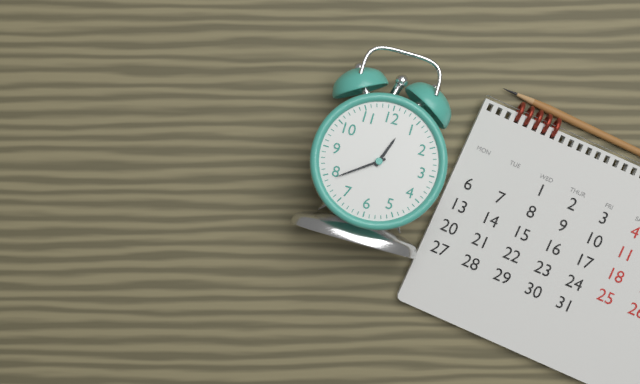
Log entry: {"hour": 12, "minute": 39}
